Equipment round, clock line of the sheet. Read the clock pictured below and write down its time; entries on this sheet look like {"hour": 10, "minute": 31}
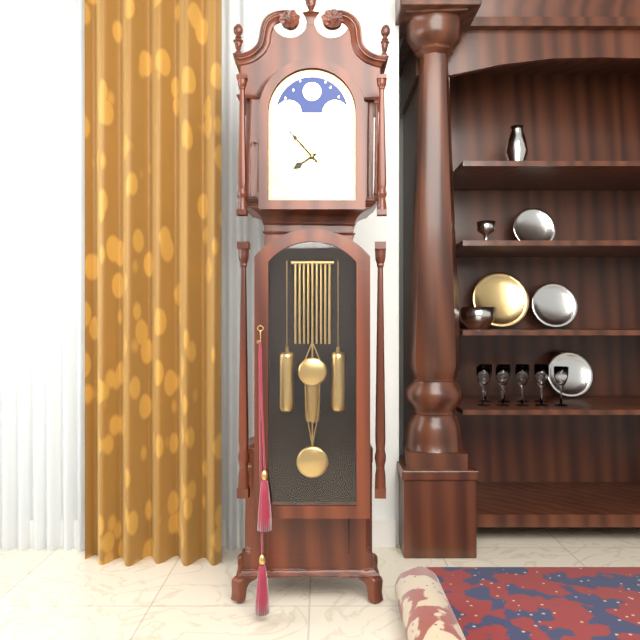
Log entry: {"hour": 7, "minute": 53}
